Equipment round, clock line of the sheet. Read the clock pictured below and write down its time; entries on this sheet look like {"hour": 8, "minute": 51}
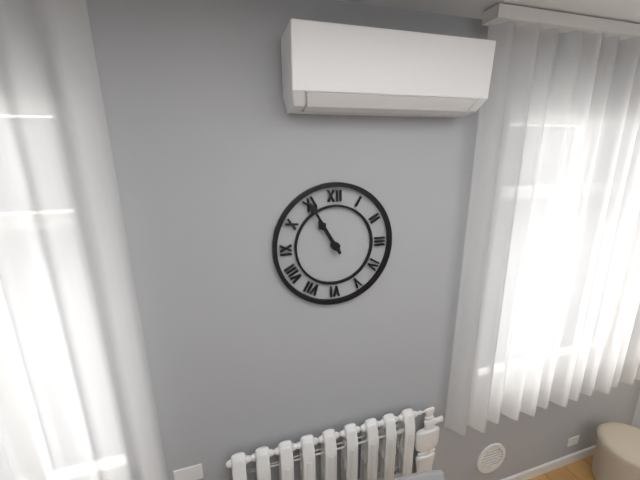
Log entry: {"hour": 10, "minute": 55}
